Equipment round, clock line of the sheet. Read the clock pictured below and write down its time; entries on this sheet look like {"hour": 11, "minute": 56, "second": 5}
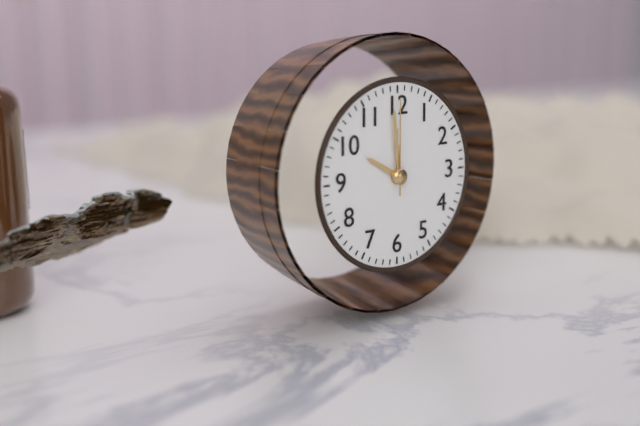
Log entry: {"hour": 9, "minute": 59, "second": 0}
